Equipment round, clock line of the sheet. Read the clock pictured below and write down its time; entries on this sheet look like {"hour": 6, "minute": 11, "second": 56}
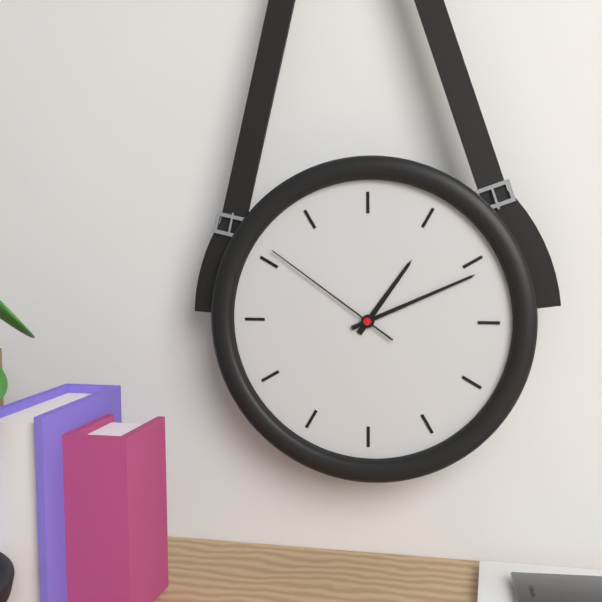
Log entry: {"hour": 1, "minute": 11, "second": 51}
